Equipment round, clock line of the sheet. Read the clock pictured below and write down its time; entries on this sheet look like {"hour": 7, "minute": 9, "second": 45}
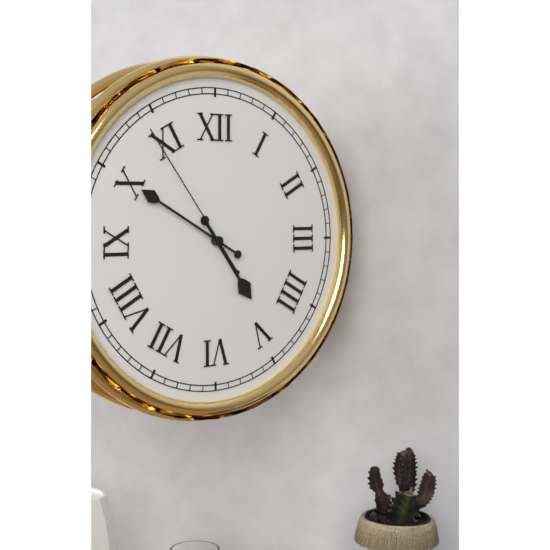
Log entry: {"hour": 4, "minute": 50, "second": 54}
